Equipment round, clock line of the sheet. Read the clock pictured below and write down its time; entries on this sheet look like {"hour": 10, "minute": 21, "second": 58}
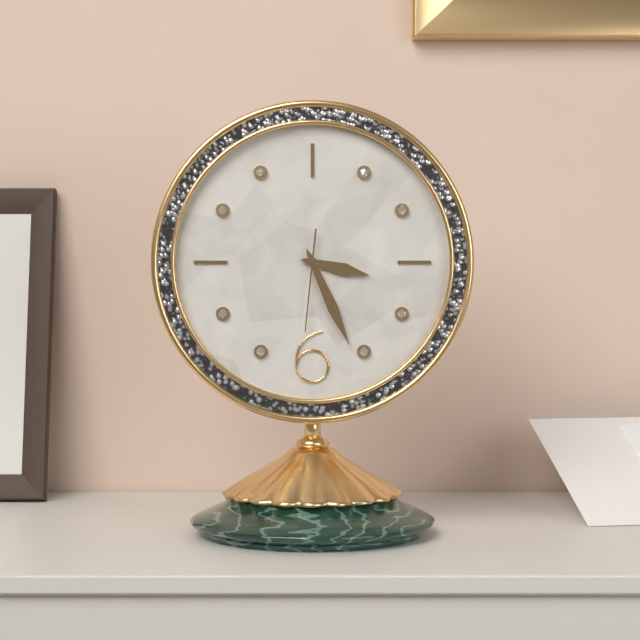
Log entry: {"hour": 3, "minute": 26, "second": 31}
